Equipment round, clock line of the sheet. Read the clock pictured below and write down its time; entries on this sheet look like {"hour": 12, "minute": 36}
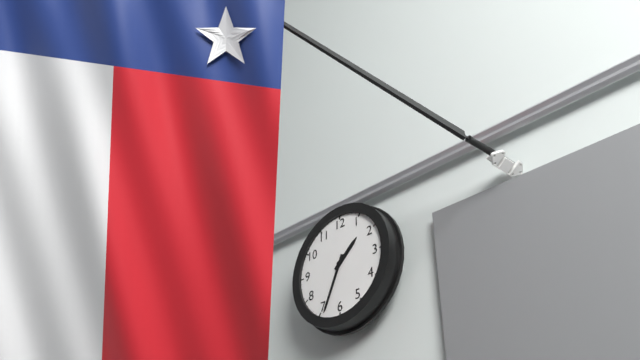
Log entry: {"hour": 1, "minute": 34}
